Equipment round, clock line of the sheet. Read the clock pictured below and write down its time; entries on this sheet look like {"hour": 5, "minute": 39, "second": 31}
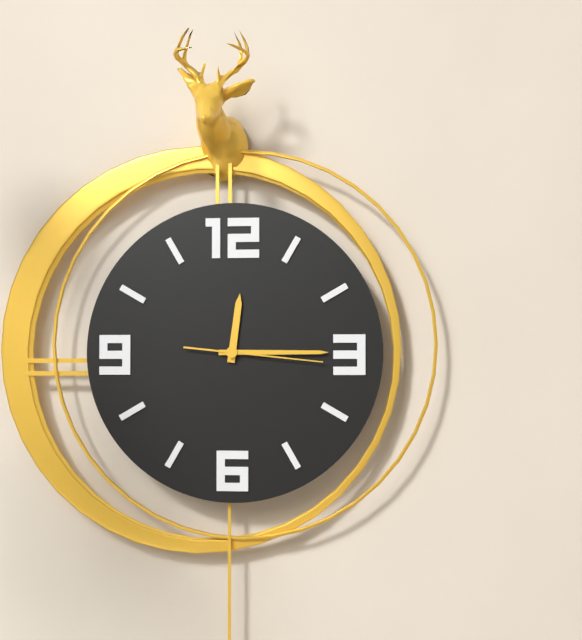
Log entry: {"hour": 12, "minute": 15, "second": 16}
